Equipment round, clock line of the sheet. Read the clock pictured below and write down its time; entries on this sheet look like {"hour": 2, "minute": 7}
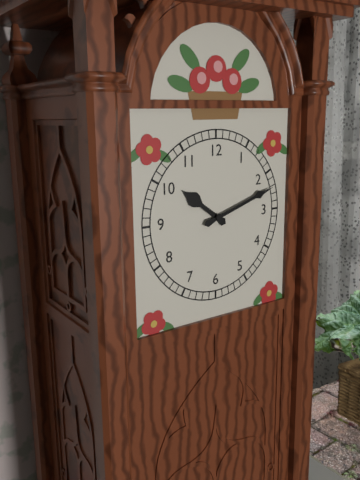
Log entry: {"hour": 10, "minute": 12}
